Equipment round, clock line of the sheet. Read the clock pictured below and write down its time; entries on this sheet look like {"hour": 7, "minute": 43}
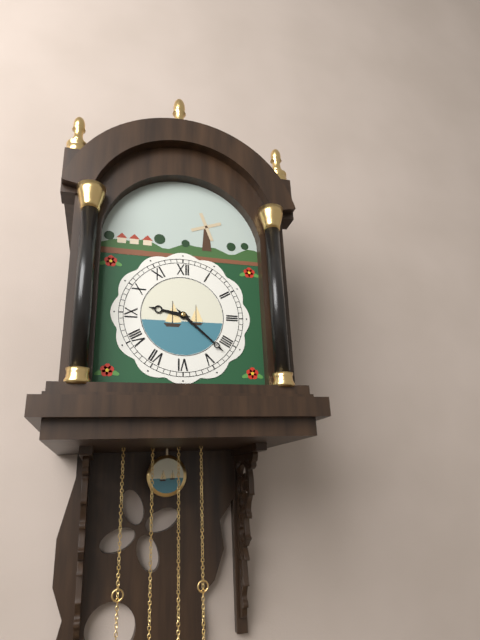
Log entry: {"hour": 9, "minute": 22}
